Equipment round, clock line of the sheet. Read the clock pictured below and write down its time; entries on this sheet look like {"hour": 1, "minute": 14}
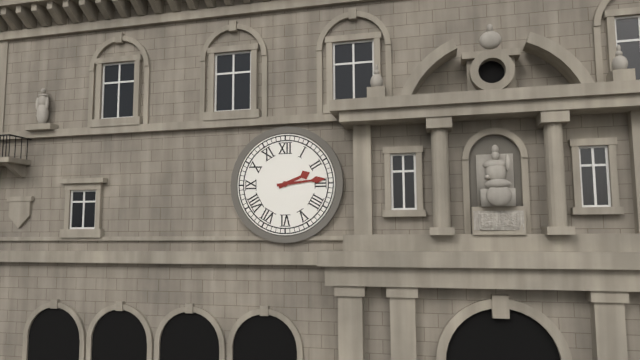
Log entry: {"hour": 2, "minute": 14}
